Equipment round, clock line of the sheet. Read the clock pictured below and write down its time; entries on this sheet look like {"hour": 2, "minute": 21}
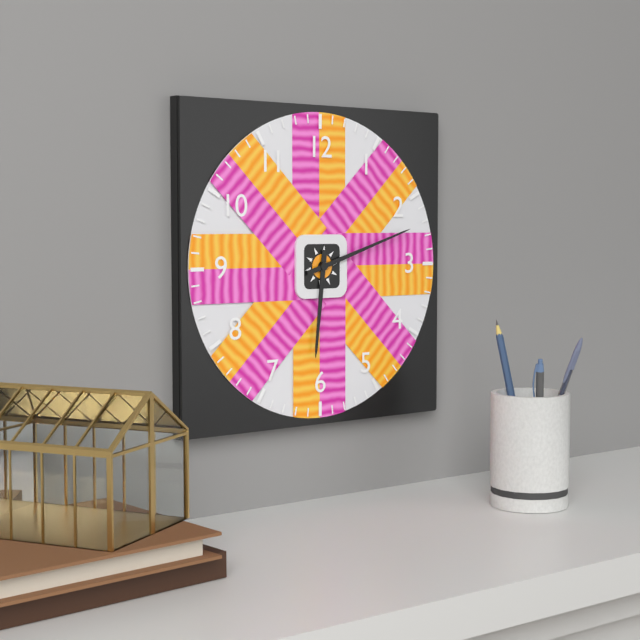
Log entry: {"hour": 6, "minute": 12}
